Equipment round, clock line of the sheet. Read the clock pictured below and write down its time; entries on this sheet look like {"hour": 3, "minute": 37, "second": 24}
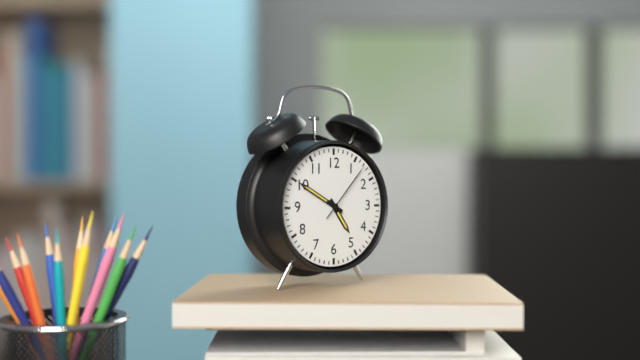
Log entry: {"hour": 4, "minute": 50, "second": 7}
